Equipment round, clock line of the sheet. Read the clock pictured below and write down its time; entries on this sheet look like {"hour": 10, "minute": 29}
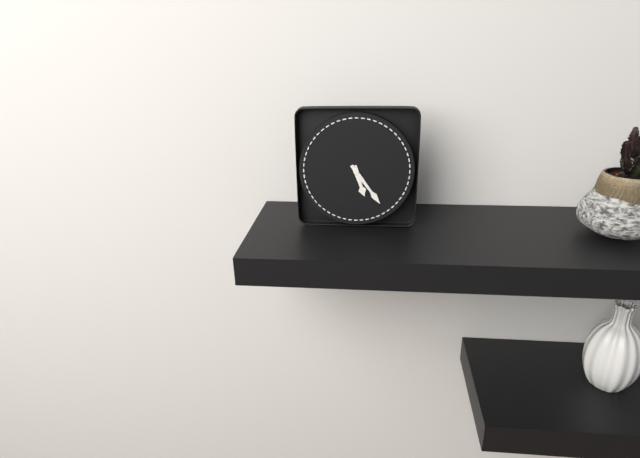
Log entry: {"hour": 5, "minute": 24}
